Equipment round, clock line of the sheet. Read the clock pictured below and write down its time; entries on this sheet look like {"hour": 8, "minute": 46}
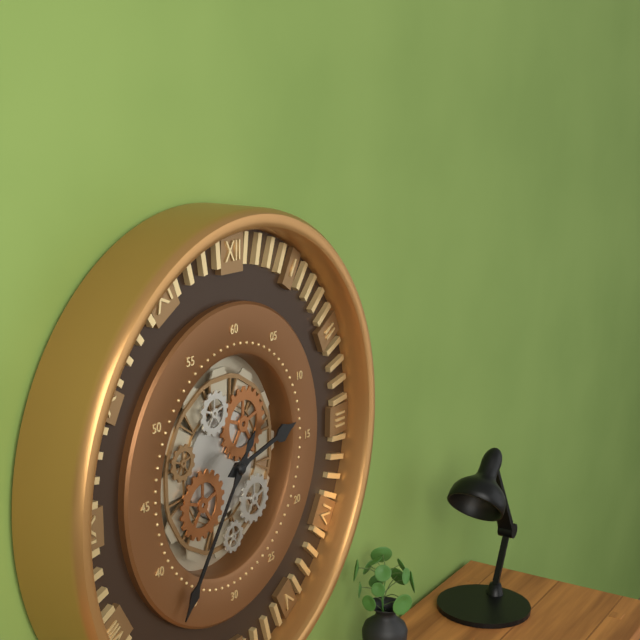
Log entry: {"hour": 2, "minute": 36}
